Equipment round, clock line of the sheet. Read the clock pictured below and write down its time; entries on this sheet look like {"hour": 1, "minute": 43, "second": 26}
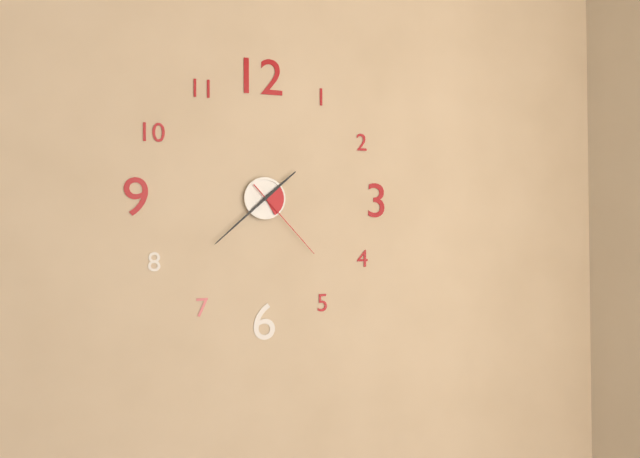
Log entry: {"hour": 1, "minute": 38, "second": 23}
